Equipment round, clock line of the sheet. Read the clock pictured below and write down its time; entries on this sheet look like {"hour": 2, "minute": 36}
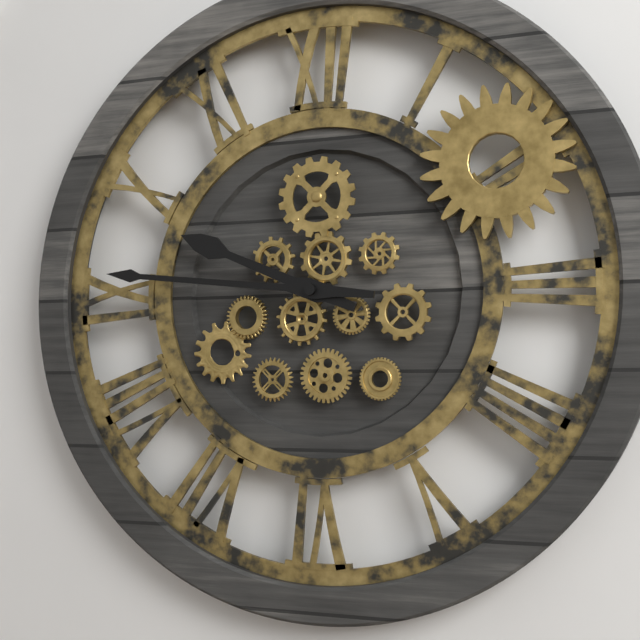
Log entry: {"hour": 9, "minute": 46}
